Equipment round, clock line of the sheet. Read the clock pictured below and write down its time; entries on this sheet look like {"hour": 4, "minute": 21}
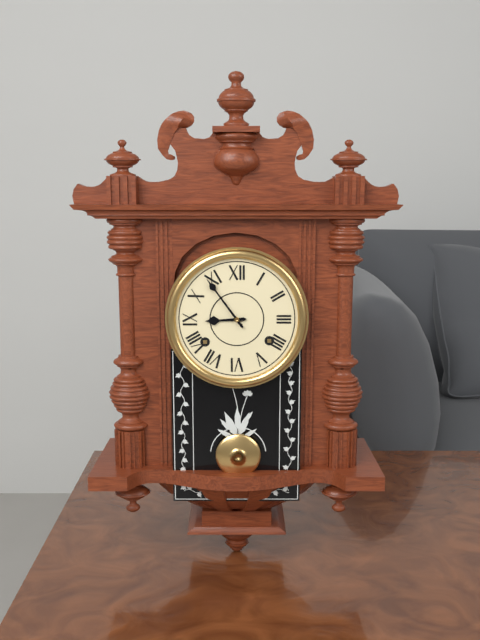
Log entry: {"hour": 8, "minute": 54}
